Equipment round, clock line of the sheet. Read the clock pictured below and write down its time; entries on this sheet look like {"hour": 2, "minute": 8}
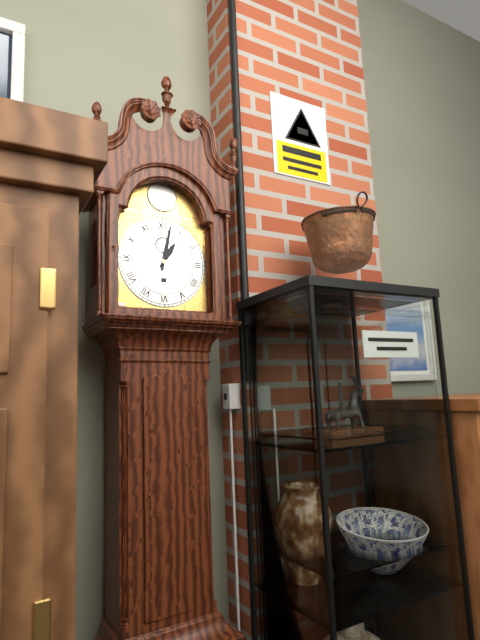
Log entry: {"hour": 1, "minute": 2}
